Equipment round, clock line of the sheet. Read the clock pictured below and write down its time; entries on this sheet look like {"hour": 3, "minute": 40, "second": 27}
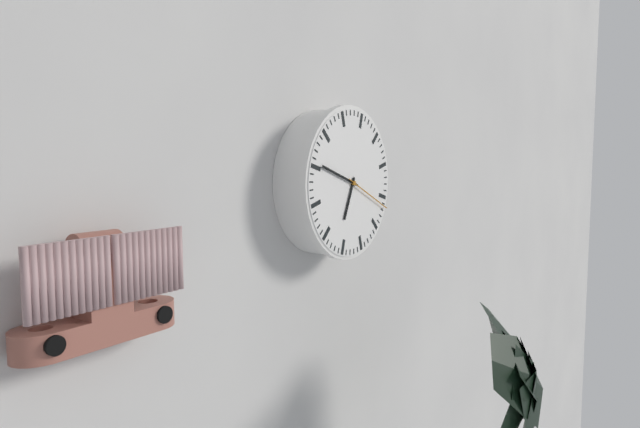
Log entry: {"hour": 6, "minute": 48, "second": 19}
